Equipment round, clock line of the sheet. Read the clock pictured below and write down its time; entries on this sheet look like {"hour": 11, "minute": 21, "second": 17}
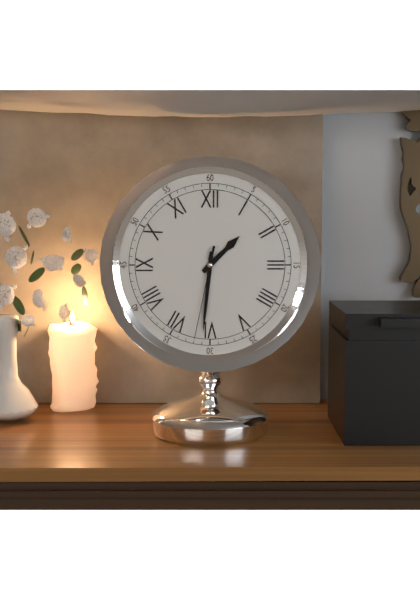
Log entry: {"hour": 1, "minute": 31, "second": 32}
